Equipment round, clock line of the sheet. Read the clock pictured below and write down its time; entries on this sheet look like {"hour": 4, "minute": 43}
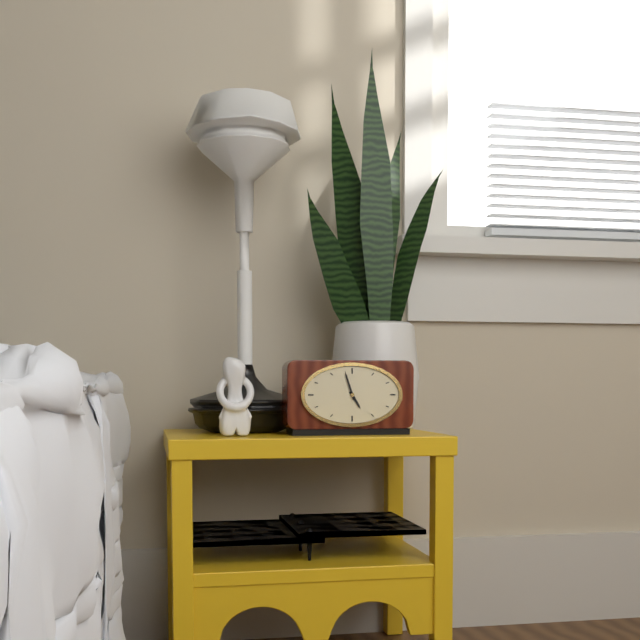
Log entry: {"hour": 4, "minute": 57}
